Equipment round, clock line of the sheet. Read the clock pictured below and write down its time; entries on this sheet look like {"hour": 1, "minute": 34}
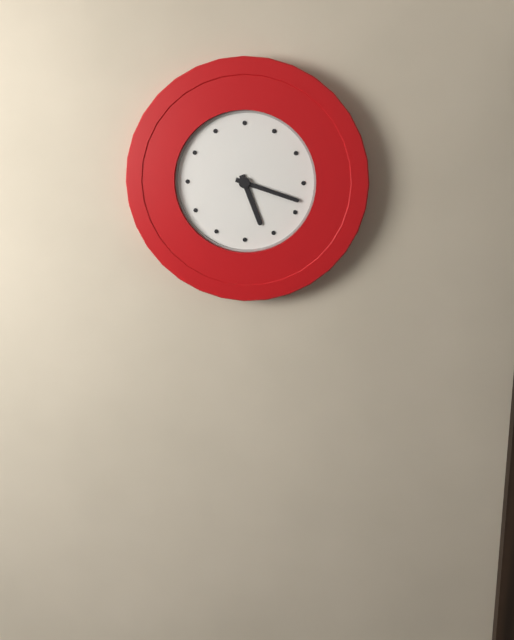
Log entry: {"hour": 5, "minute": 18}
